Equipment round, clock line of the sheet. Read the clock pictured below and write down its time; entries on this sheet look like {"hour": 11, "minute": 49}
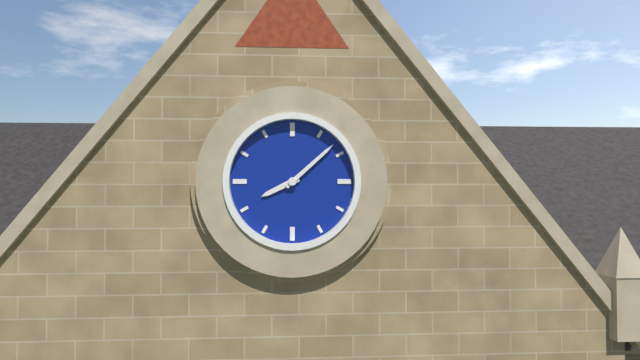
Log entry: {"hour": 8, "minute": 8}
